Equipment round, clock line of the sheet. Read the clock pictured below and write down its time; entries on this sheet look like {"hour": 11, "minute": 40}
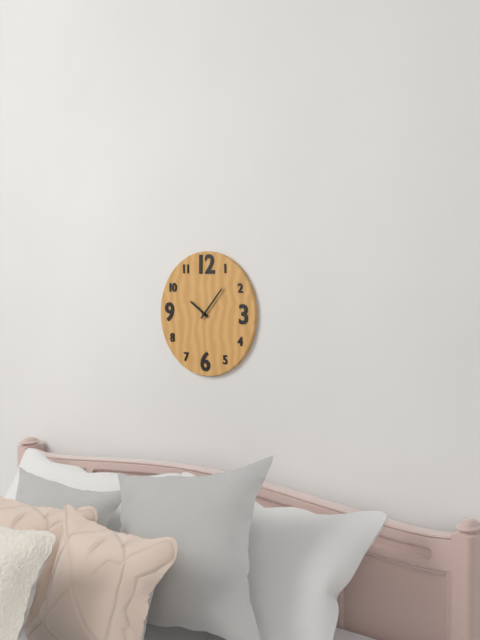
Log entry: {"hour": 10, "minute": 7}
